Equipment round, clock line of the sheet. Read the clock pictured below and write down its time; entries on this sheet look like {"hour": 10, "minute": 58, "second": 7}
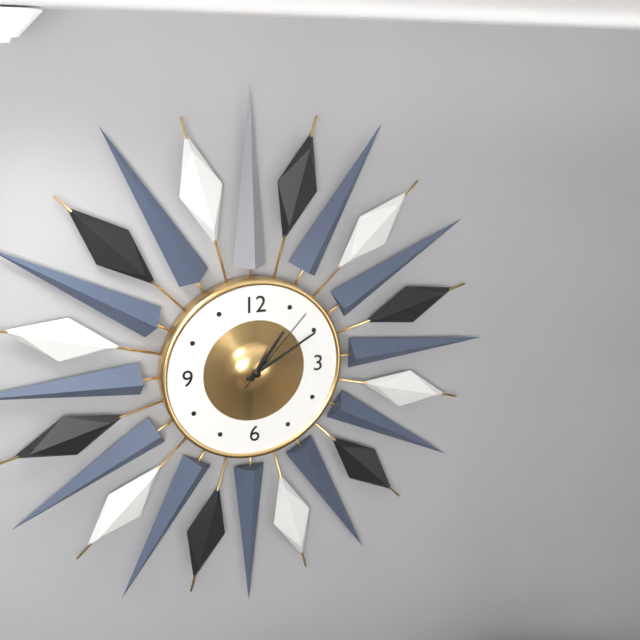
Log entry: {"hour": 1, "minute": 10, "second": 7}
